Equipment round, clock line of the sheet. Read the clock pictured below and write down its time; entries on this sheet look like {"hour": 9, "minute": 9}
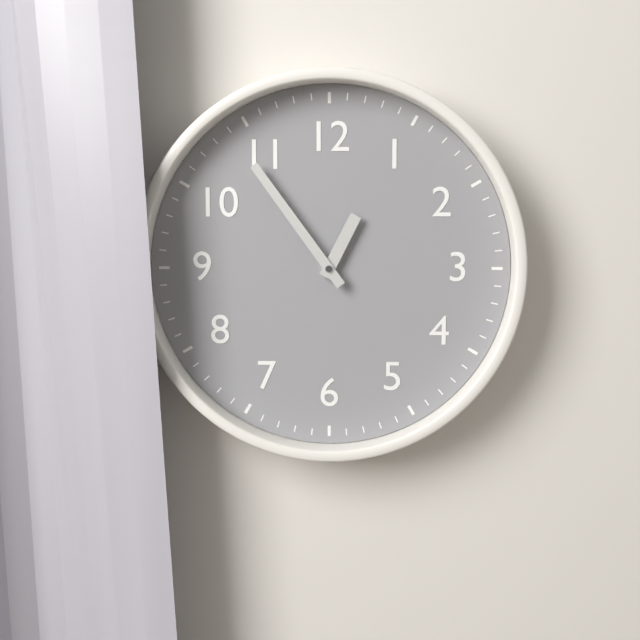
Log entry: {"hour": 12, "minute": 54}
